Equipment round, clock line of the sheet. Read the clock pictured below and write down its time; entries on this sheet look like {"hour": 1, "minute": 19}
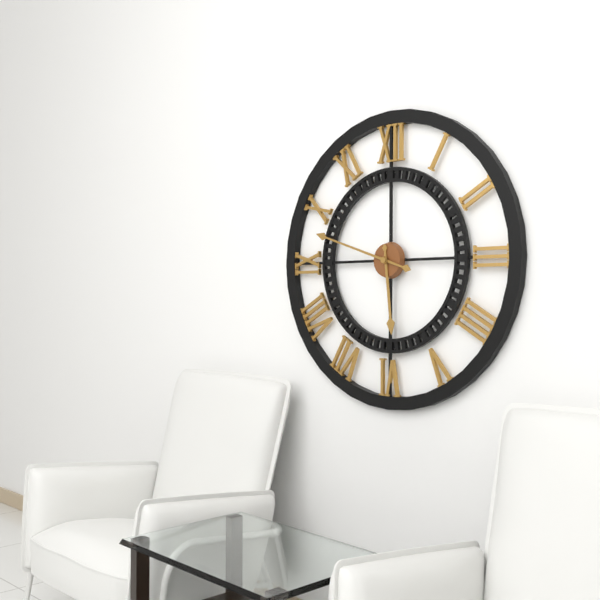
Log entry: {"hour": 5, "minute": 48}
